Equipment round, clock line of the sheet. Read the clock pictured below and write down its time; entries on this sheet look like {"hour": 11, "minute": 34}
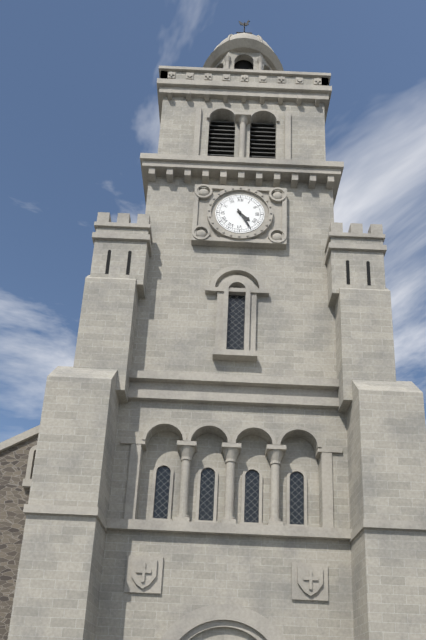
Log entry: {"hour": 4, "minute": 25}
